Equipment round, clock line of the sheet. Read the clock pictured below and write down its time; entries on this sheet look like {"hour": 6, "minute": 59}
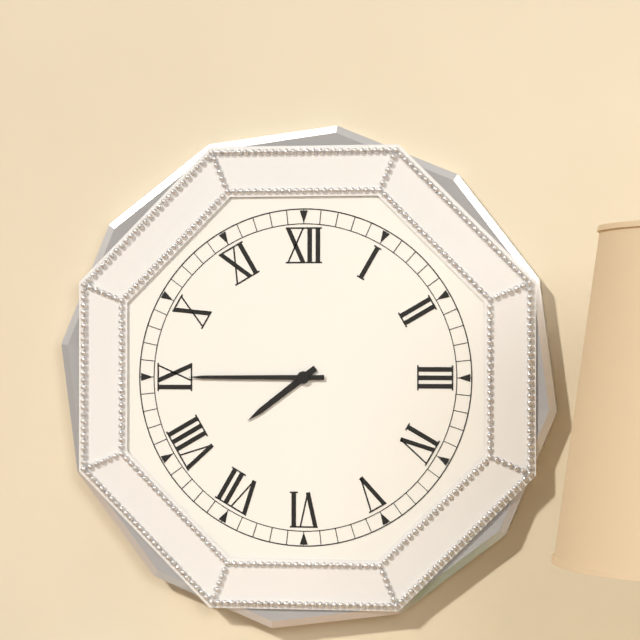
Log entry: {"hour": 7, "minute": 45}
